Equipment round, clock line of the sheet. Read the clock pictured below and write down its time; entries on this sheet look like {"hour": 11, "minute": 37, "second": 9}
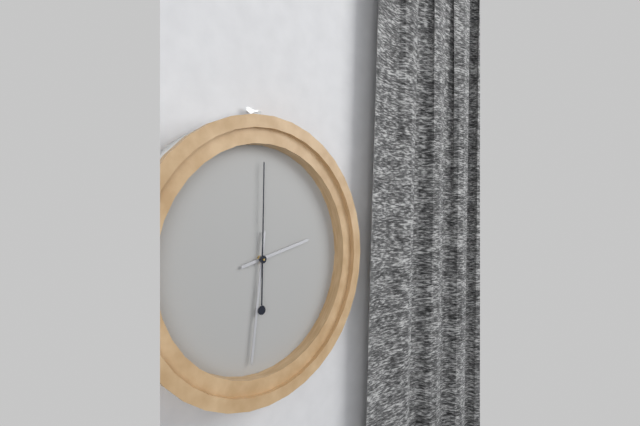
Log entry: {"hour": 2, "minute": 31, "second": 0}
